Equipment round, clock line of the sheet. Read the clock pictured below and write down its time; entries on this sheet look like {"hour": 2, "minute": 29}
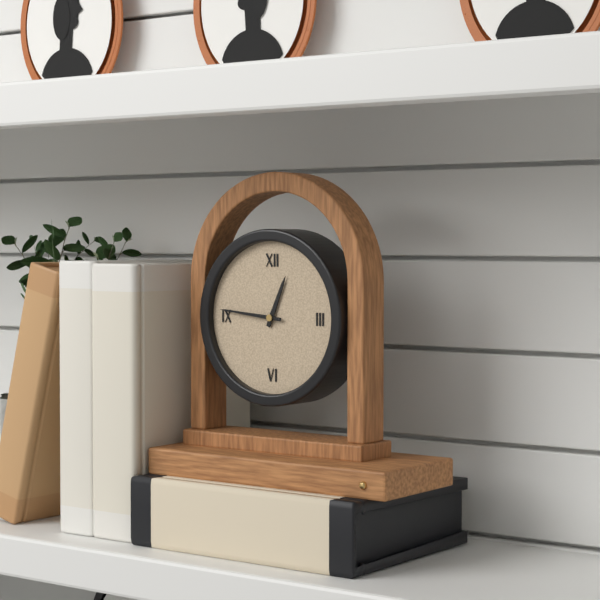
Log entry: {"hour": 12, "minute": 46}
